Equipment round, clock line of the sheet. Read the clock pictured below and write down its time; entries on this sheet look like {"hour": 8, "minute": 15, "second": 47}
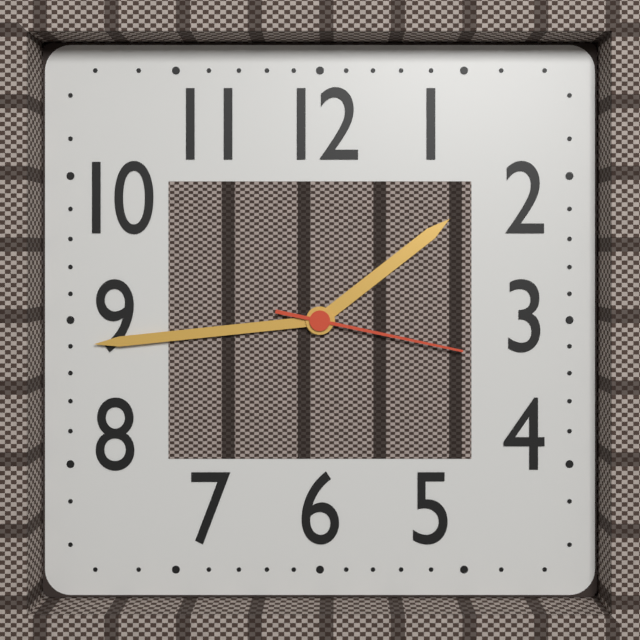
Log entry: {"hour": 1, "minute": 44, "second": 17}
